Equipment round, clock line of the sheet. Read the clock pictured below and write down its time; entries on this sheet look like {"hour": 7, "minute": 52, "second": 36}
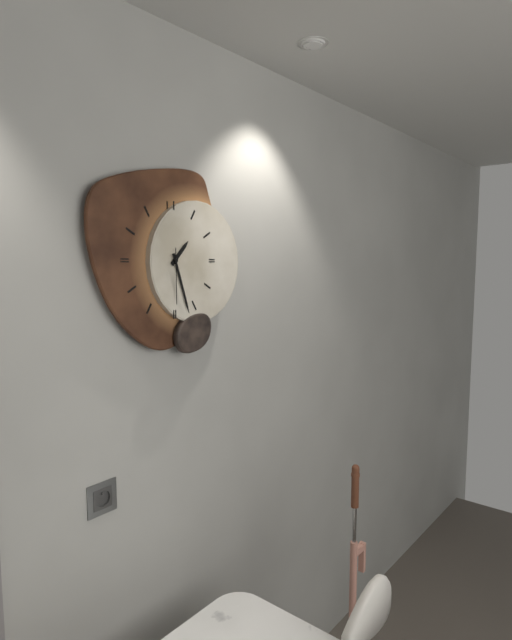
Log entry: {"hour": 1, "minute": 27, "second": 30}
